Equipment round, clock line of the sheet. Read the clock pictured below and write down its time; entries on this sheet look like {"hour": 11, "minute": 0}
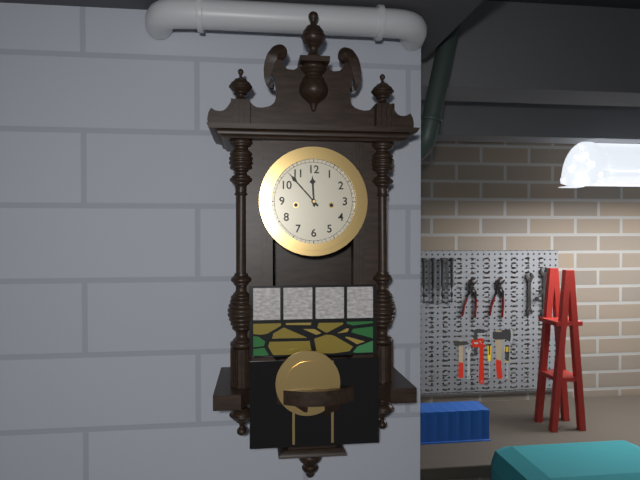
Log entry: {"hour": 11, "minute": 53}
